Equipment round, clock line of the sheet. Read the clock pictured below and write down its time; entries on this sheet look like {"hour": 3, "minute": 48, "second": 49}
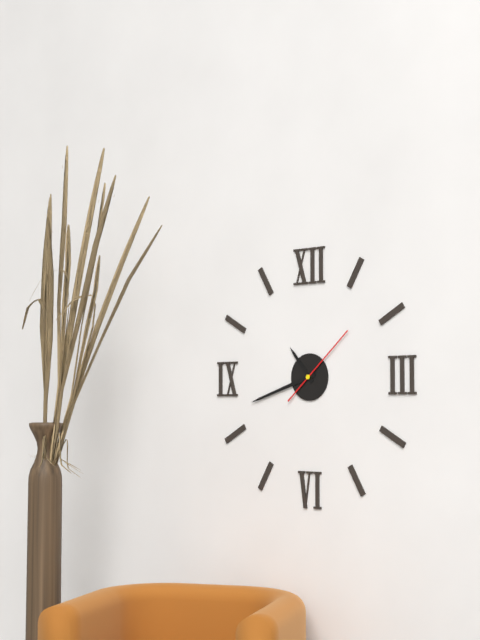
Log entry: {"hour": 10, "minute": 42, "second": 8}
